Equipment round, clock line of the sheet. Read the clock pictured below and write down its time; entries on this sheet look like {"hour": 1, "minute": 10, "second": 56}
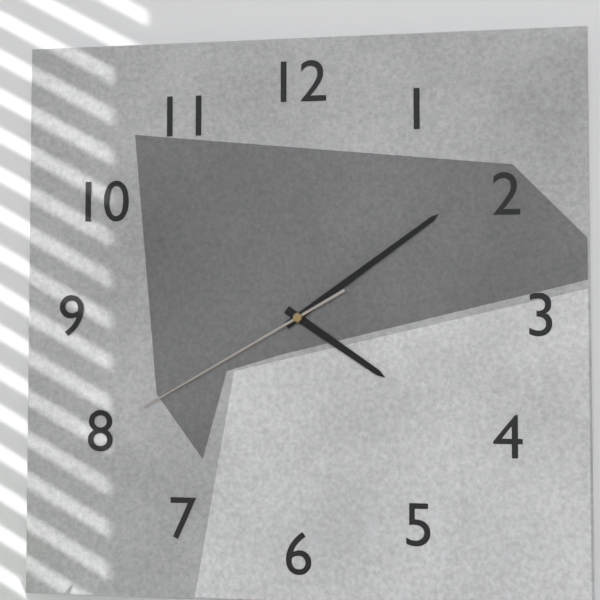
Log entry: {"hour": 4, "minute": 9, "second": 40}
